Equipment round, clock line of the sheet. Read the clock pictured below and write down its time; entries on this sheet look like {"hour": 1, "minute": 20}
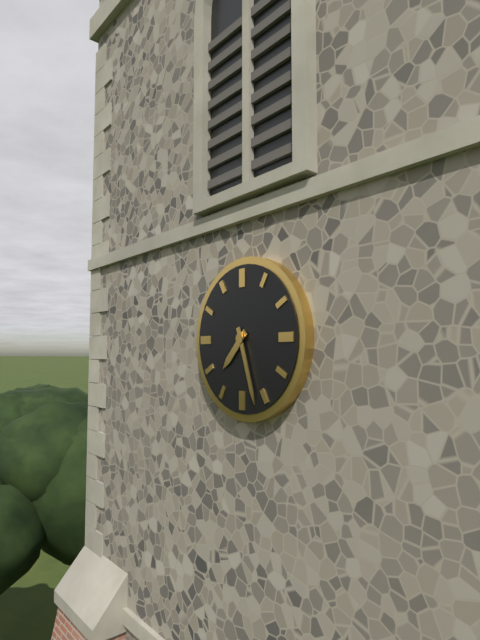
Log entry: {"hour": 7, "minute": 27}
